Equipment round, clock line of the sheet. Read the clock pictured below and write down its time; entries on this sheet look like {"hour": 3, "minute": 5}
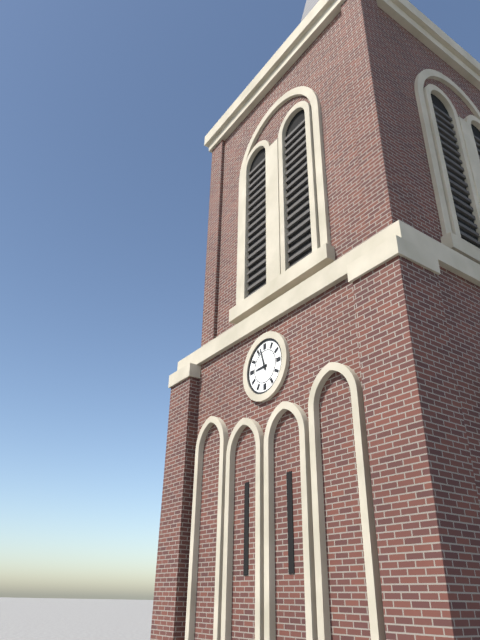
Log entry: {"hour": 8, "minute": 57}
